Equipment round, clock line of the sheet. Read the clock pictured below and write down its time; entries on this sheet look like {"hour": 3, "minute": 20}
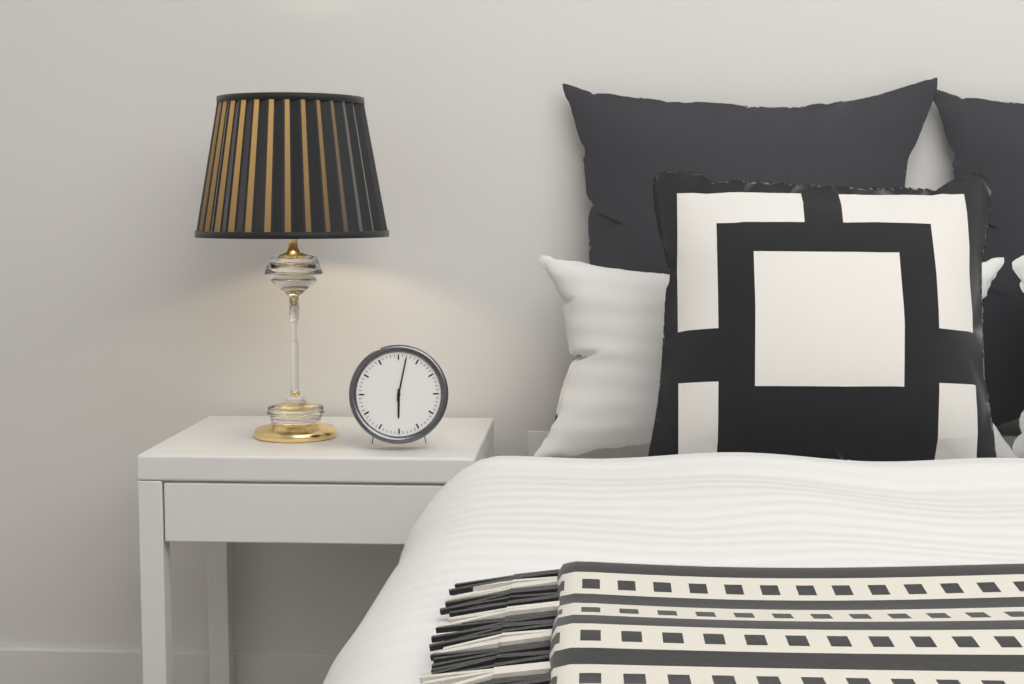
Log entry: {"hour": 6, "minute": 2}
